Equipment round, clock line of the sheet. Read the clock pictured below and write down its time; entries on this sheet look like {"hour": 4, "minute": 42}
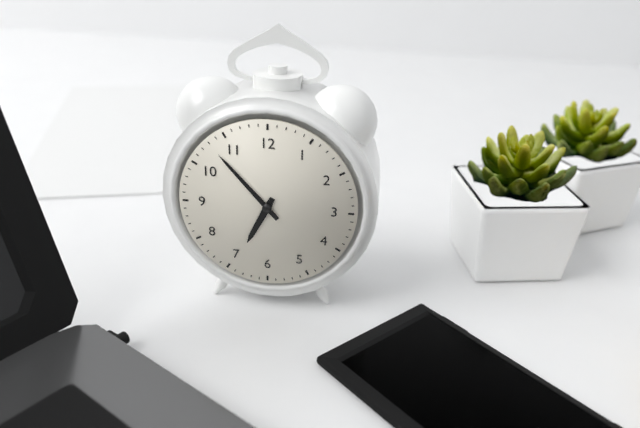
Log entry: {"hour": 6, "minute": 53}
